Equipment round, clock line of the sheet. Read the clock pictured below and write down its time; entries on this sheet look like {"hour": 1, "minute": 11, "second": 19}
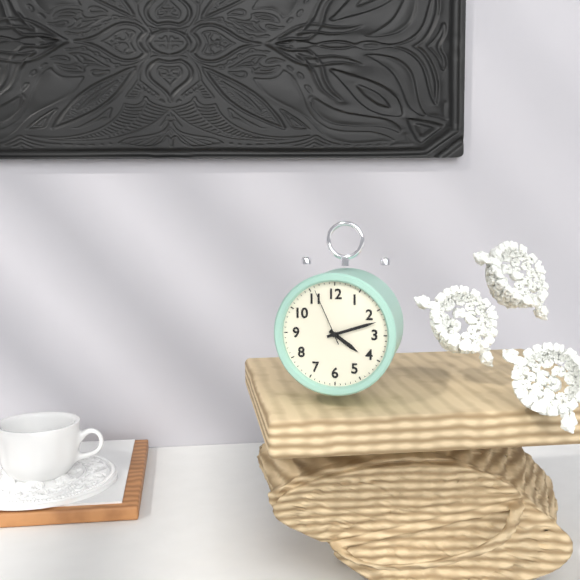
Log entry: {"hour": 4, "minute": 12, "second": 56}
